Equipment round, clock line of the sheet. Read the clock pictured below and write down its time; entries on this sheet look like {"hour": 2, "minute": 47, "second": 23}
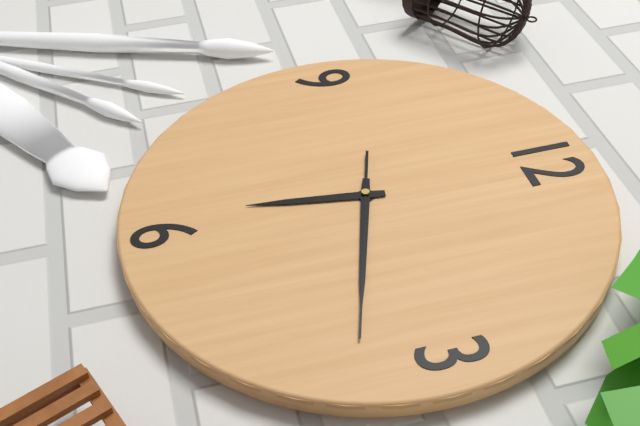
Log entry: {"hour": 6, "minute": 18, "second": 18}
